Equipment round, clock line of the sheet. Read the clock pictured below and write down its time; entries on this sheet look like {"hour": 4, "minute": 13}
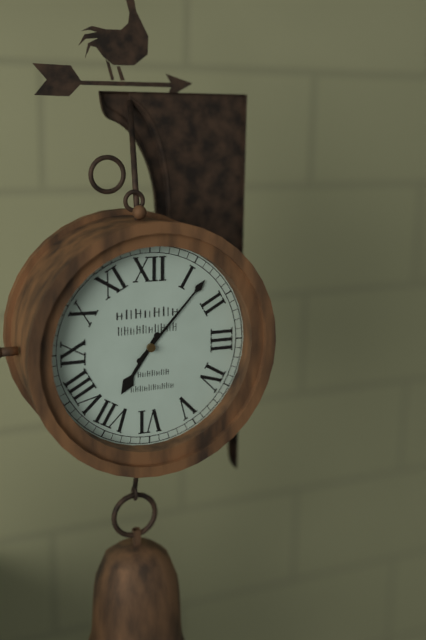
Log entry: {"hour": 7, "minute": 7}
